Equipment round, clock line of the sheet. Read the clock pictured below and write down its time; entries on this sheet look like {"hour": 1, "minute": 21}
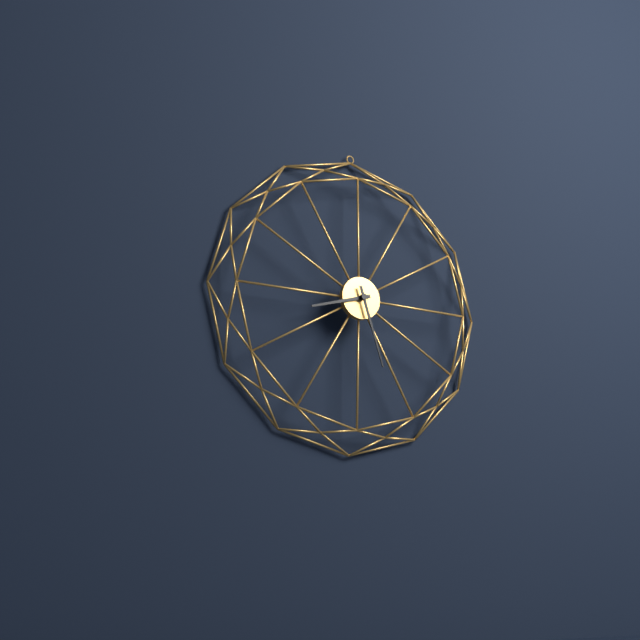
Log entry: {"hour": 8, "minute": 27}
